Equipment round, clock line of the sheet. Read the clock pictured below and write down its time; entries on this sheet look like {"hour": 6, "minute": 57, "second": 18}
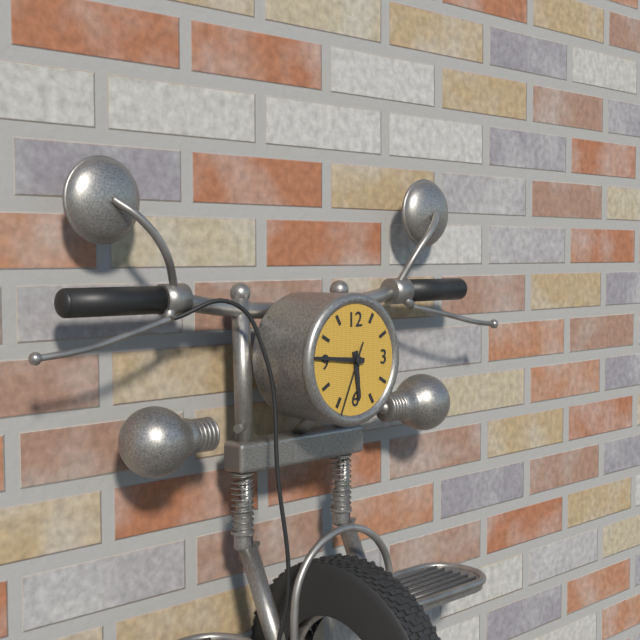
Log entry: {"hour": 5, "minute": 46, "second": 34}
